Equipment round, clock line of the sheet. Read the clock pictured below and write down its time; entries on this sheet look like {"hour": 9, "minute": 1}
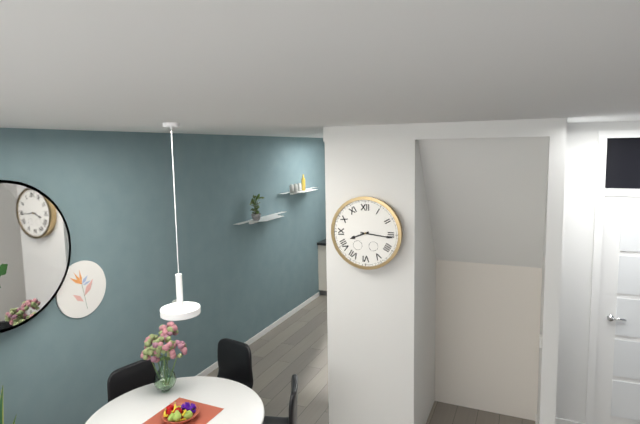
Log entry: {"hour": 8, "minute": 16}
